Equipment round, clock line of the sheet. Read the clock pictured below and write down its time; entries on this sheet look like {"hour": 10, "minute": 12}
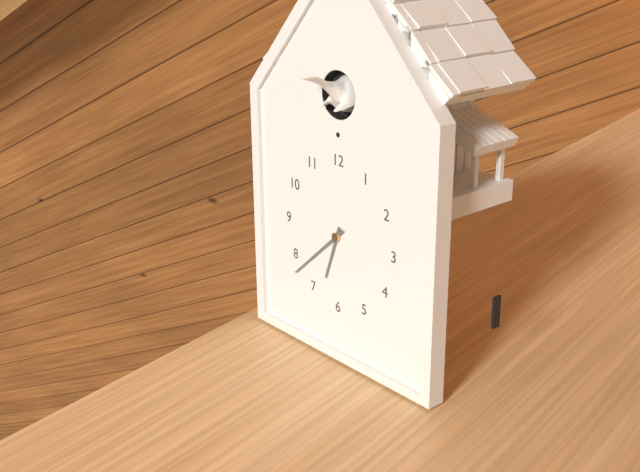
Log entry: {"hour": 6, "minute": 38}
